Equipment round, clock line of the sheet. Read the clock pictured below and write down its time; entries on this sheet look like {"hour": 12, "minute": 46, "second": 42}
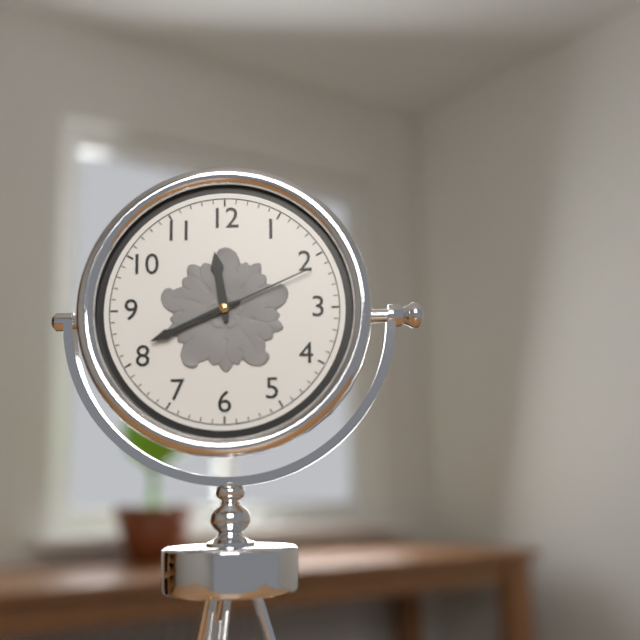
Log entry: {"hour": 11, "minute": 41, "second": 11}
